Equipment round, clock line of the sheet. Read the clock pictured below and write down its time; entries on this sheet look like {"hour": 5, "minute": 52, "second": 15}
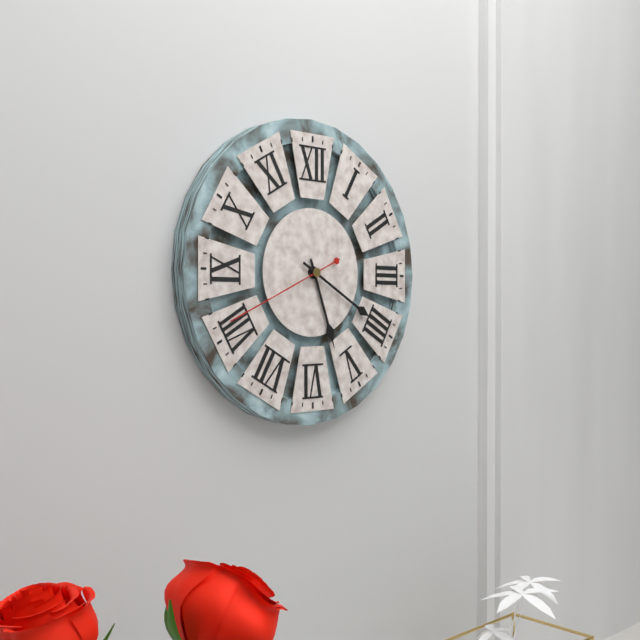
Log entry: {"hour": 5, "minute": 20, "second": 41}
